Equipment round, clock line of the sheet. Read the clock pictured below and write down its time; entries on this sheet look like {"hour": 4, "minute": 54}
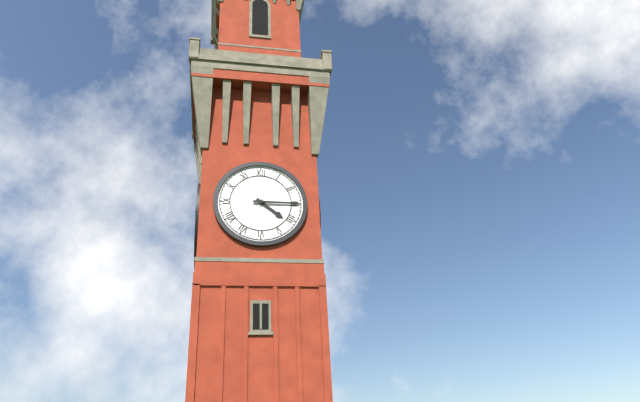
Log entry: {"hour": 4, "minute": 15}
